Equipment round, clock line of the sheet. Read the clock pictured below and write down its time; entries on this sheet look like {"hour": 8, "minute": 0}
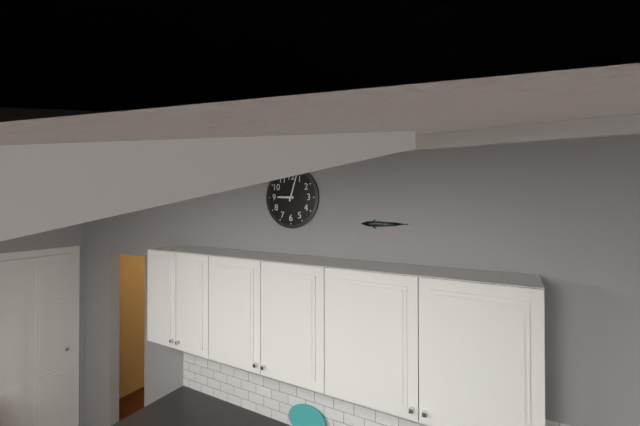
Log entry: {"hour": 9, "minute": 3}
